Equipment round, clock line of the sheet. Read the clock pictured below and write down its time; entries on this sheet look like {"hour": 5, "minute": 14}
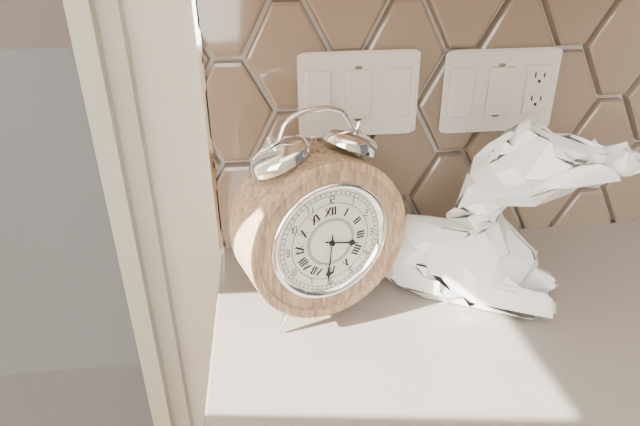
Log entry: {"hour": 3, "minute": 31}
